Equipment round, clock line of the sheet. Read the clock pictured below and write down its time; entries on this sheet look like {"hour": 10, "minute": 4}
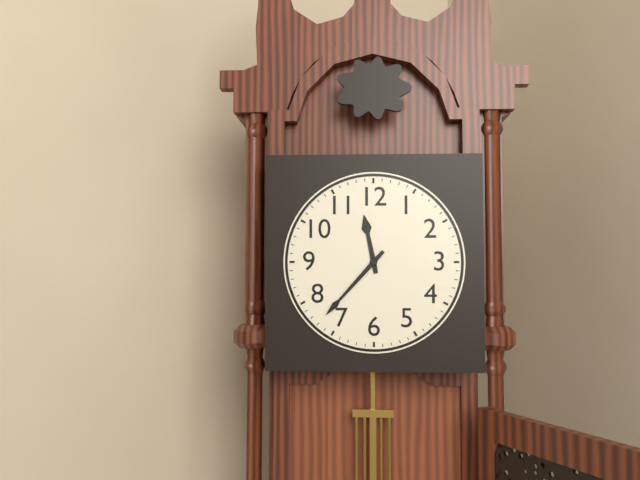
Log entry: {"hour": 11, "minute": 37}
